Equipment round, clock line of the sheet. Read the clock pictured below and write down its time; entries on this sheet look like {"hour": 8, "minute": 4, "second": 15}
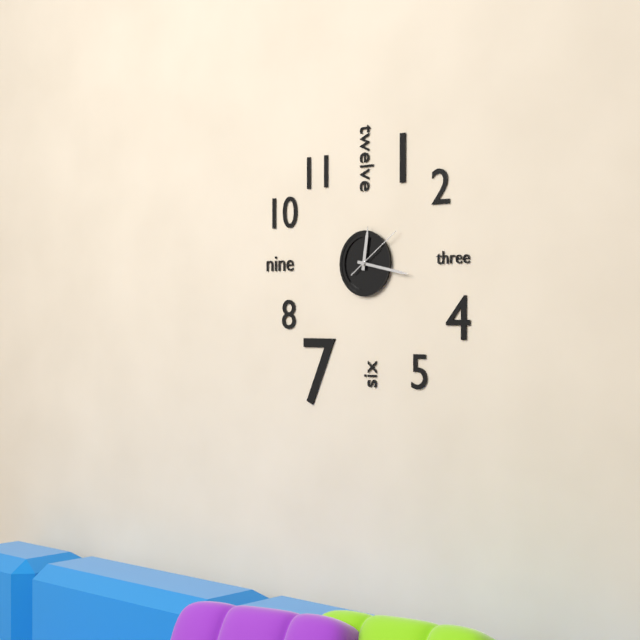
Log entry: {"hour": 12, "minute": 17, "second": 9}
